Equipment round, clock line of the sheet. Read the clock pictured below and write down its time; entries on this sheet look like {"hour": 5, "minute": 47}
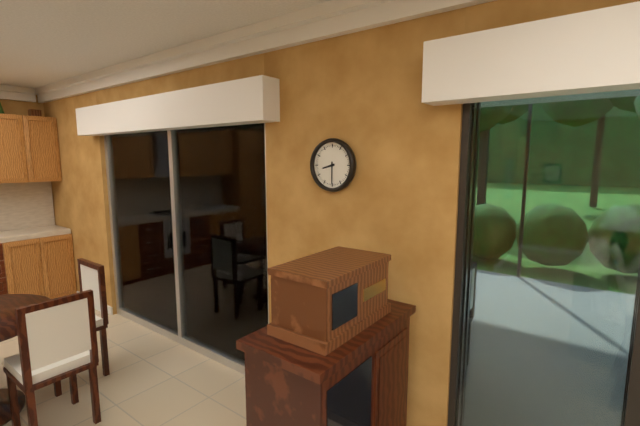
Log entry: {"hour": 8, "minute": 30}
